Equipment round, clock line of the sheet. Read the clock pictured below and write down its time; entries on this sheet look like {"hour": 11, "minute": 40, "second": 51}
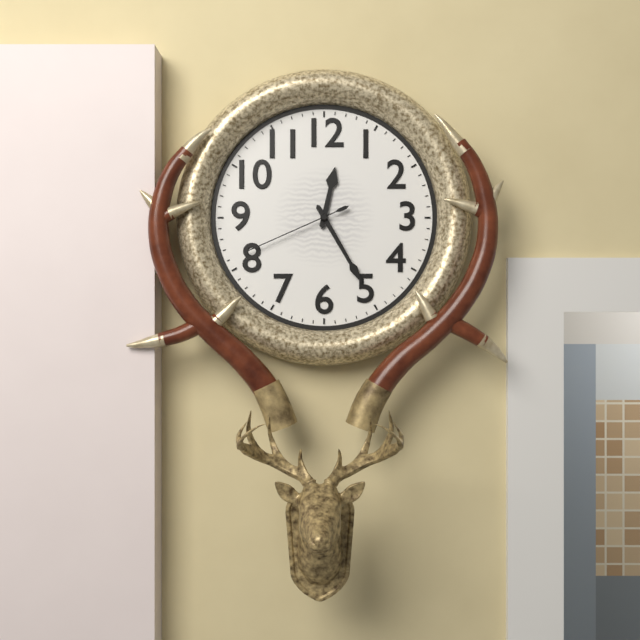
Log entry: {"hour": 12, "minute": 25, "second": 41}
